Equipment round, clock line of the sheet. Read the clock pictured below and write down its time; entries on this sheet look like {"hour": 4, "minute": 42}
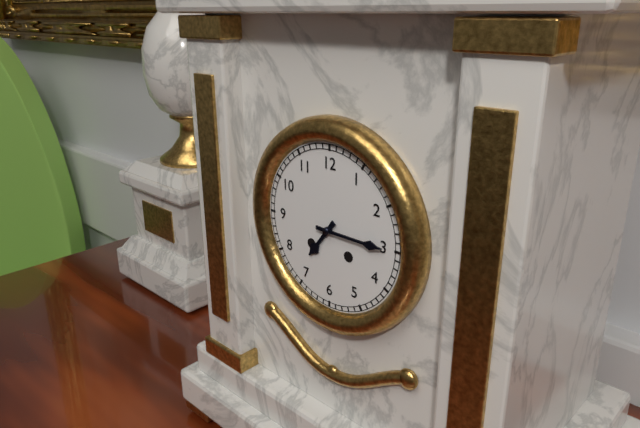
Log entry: {"hour": 7, "minute": 15}
